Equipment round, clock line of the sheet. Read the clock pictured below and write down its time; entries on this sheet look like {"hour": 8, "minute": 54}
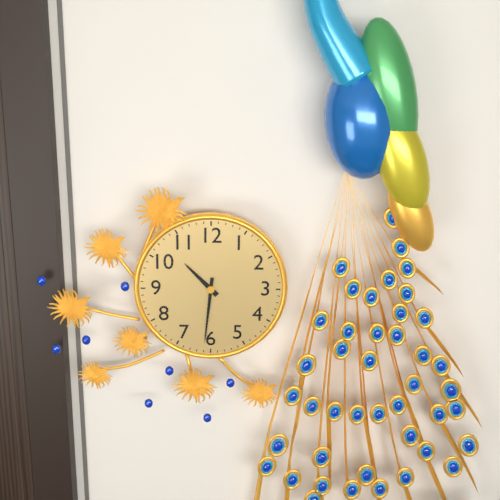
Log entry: {"hour": 10, "minute": 31}
